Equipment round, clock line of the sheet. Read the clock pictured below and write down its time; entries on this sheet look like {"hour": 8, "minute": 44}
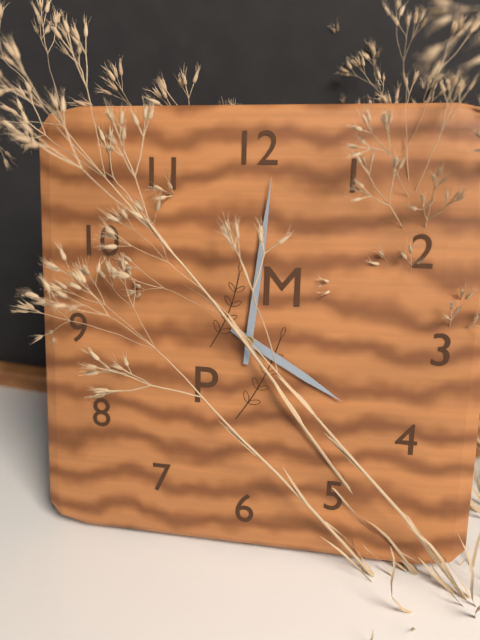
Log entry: {"hour": 4, "minute": 1}
